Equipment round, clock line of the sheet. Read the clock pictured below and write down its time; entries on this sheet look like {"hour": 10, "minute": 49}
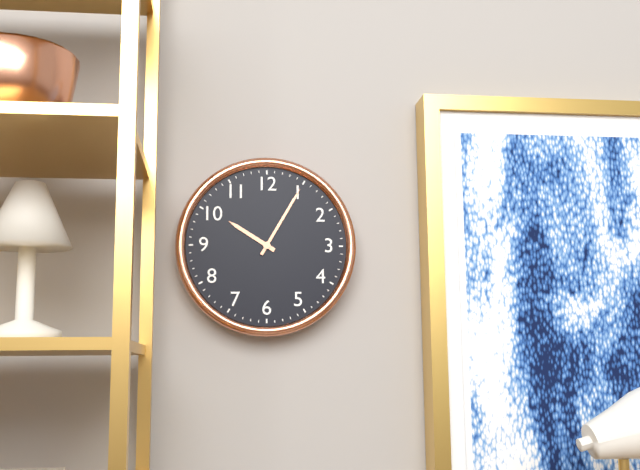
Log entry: {"hour": 10, "minute": 5}
